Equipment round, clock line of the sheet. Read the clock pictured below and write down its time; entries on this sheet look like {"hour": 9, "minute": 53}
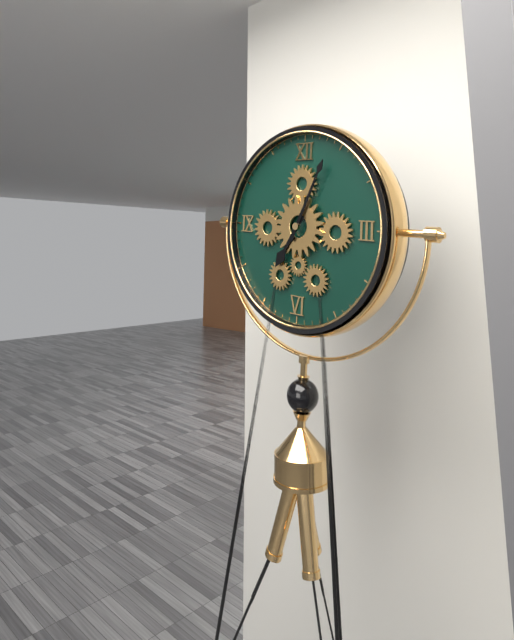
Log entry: {"hour": 7, "minute": 4}
